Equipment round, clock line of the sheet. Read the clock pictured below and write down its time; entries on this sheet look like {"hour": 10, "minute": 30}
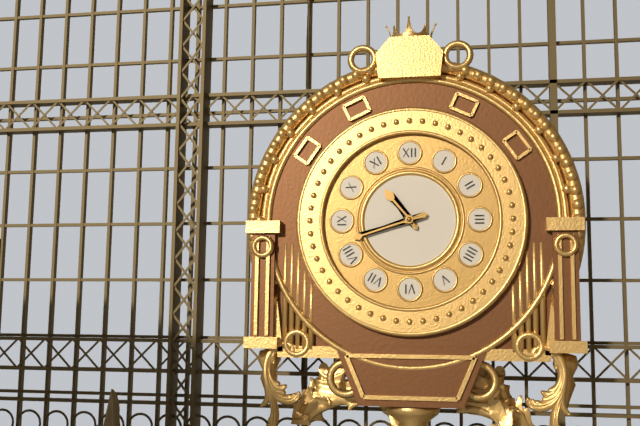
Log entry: {"hour": 10, "minute": 42}
